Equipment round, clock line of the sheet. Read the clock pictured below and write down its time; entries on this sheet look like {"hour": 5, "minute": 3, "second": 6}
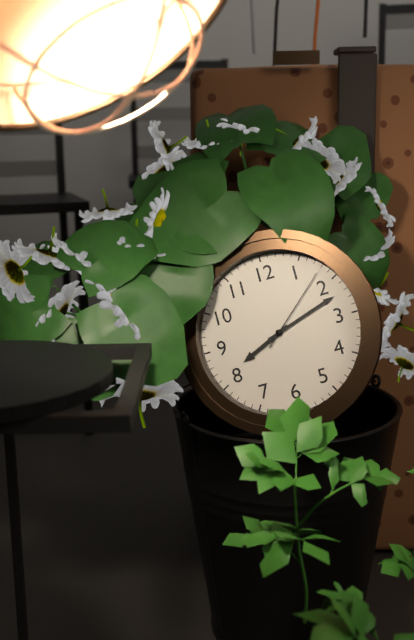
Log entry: {"hour": 8, "minute": 12, "second": 8}
